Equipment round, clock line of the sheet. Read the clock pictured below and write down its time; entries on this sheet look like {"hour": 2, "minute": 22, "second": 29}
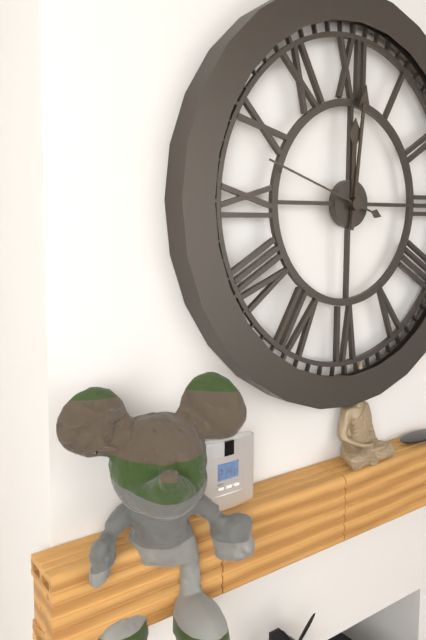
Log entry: {"hour": 12, "minute": 1, "second": 48}
